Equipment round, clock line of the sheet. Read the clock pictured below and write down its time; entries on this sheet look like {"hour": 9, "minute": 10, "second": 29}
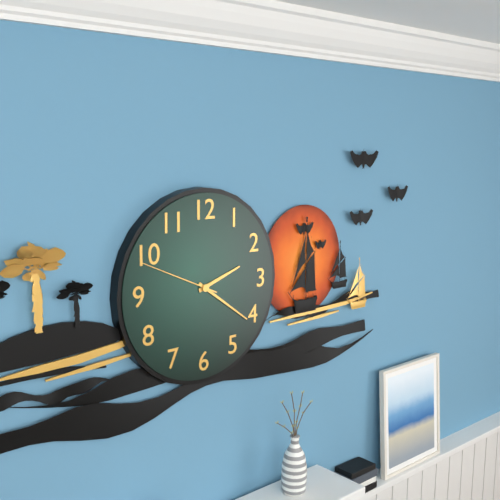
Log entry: {"hour": 2, "minute": 21, "second": 49}
